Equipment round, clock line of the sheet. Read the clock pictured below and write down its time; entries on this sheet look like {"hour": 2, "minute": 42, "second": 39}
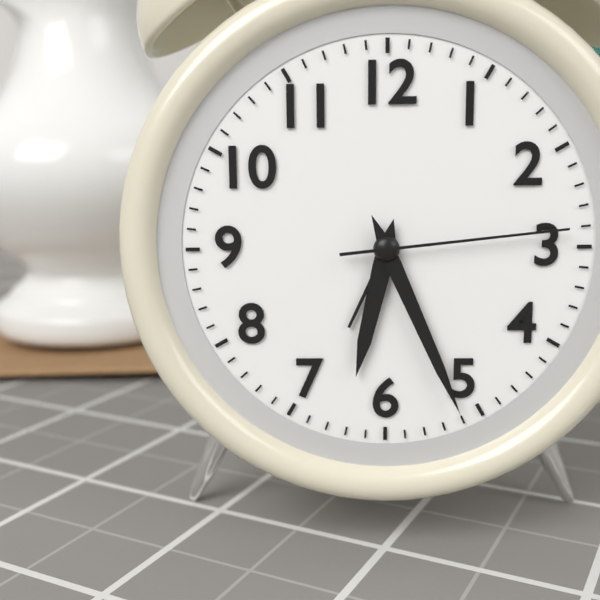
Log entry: {"hour": 6, "minute": 26, "second": 14}
